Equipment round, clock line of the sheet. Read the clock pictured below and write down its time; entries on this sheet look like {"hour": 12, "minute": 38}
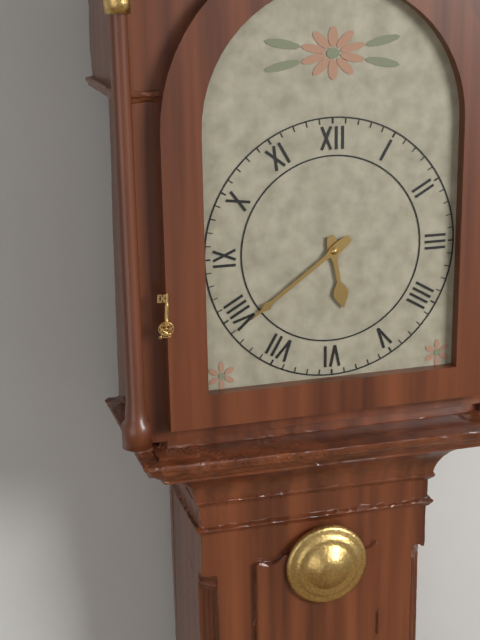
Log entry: {"hour": 5, "minute": 39}
